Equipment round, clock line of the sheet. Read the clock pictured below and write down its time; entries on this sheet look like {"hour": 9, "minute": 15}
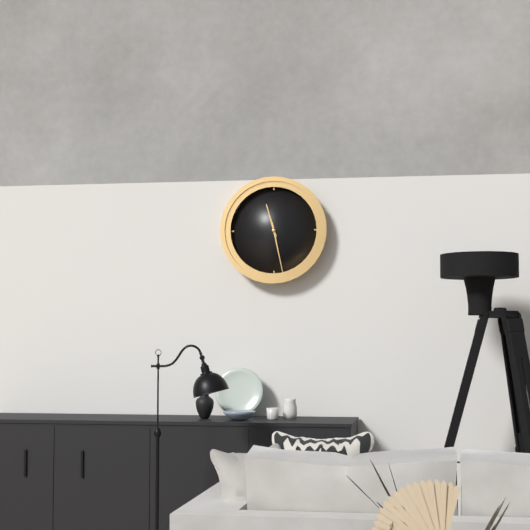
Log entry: {"hour": 11, "minute": 28}
